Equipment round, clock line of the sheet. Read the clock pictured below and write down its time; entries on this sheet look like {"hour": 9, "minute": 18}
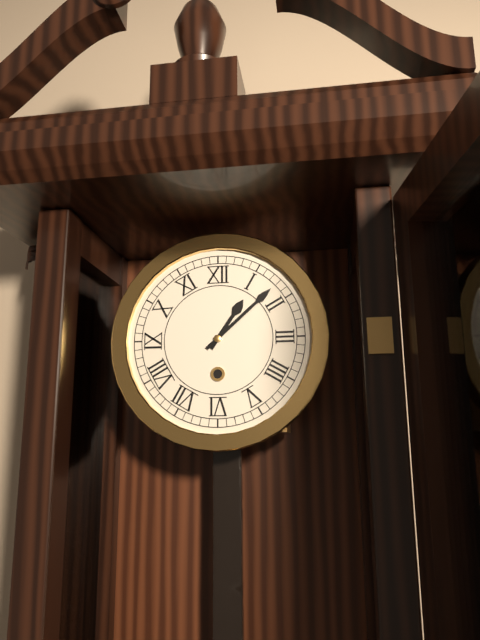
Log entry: {"hour": 1, "minute": 8}
